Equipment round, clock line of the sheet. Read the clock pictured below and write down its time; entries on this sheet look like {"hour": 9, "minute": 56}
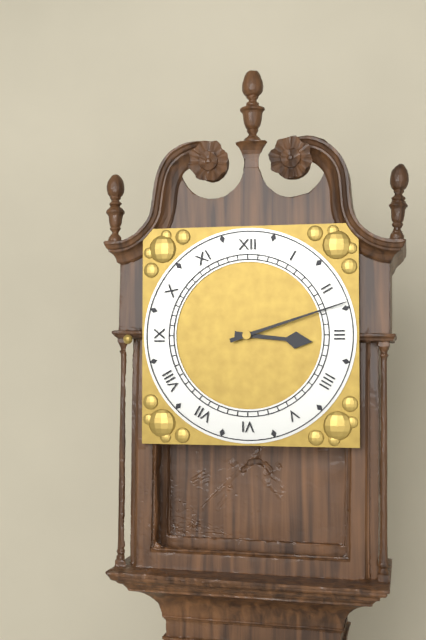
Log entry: {"hour": 3, "minute": 12}
